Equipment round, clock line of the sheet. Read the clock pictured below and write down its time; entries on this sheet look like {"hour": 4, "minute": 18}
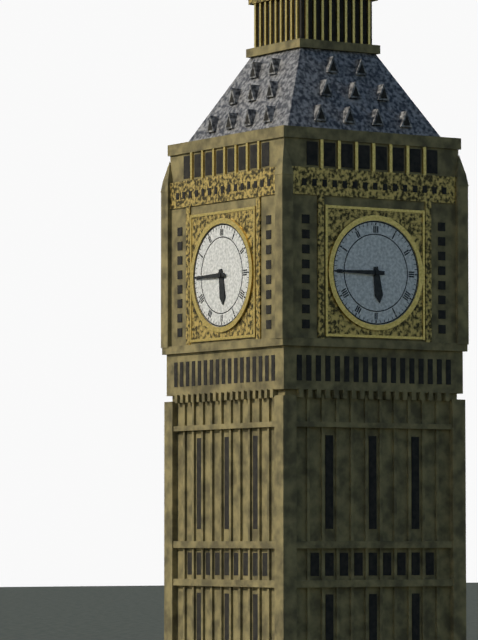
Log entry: {"hour": 5, "minute": 45}
